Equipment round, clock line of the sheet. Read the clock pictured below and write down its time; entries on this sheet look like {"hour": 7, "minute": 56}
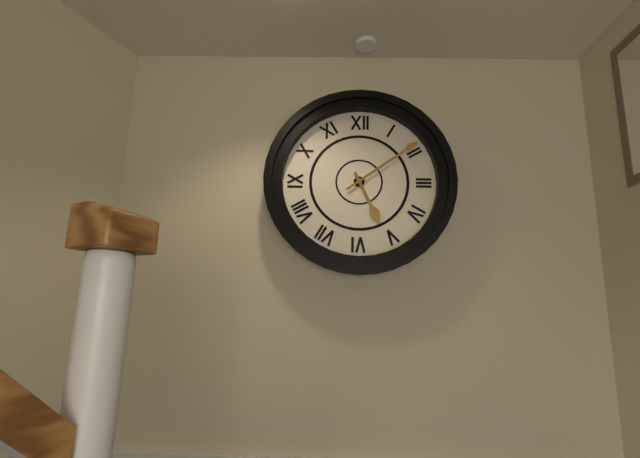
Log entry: {"hour": 5, "minute": 9}
